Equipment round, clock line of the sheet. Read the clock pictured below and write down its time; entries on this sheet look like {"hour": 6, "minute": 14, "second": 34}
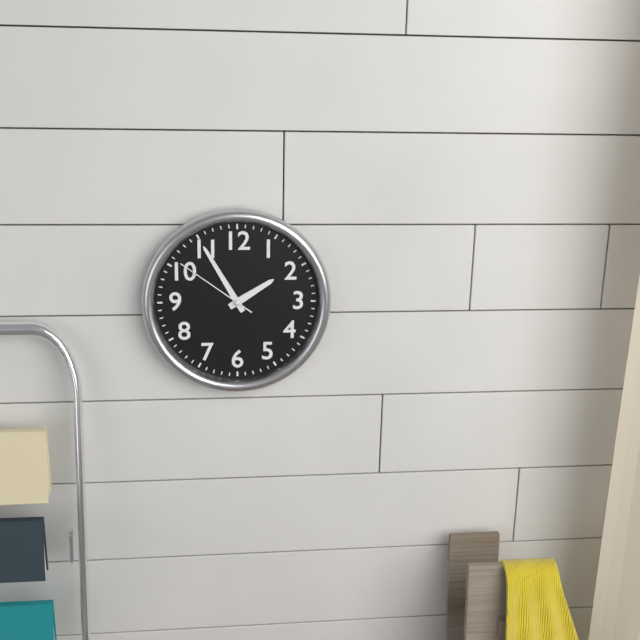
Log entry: {"hour": 1, "minute": 55, "second": 51}
